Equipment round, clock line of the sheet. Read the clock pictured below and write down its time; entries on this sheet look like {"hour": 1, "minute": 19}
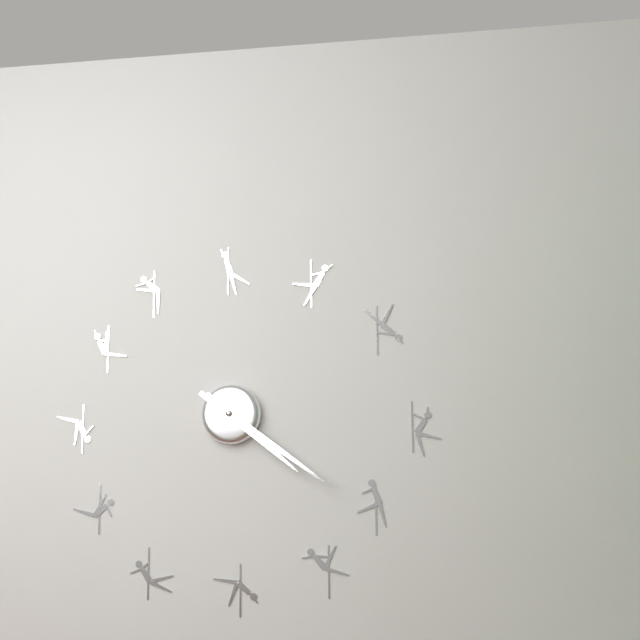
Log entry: {"hour": 4, "minute": 21}
